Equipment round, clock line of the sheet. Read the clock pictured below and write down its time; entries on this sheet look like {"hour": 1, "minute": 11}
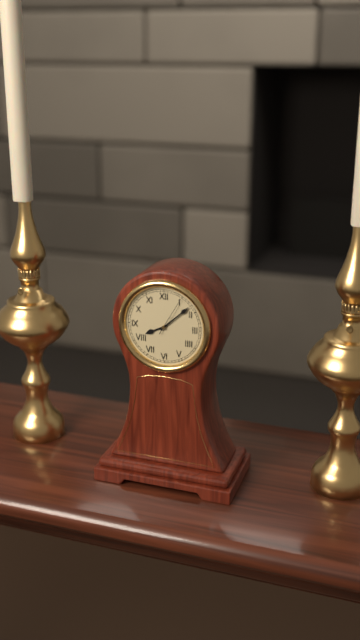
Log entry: {"hour": 8, "minute": 8}
